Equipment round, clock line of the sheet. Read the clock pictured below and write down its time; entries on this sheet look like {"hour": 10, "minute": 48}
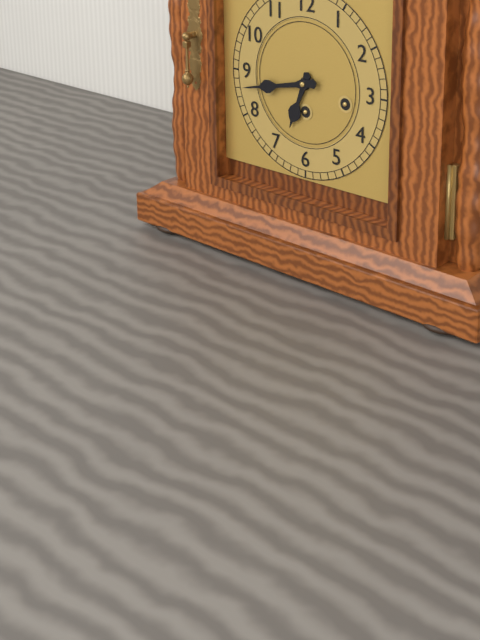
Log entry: {"hour": 6, "minute": 43}
